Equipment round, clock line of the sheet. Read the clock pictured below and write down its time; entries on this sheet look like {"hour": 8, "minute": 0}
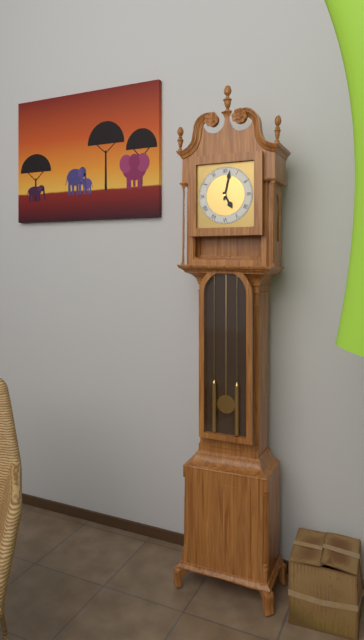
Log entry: {"hour": 5, "minute": 2}
